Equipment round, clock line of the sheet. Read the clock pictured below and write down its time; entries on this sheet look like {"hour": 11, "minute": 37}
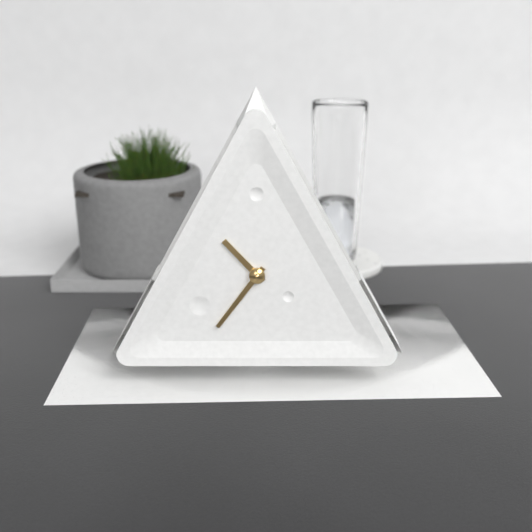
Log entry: {"hour": 10, "minute": 36}
